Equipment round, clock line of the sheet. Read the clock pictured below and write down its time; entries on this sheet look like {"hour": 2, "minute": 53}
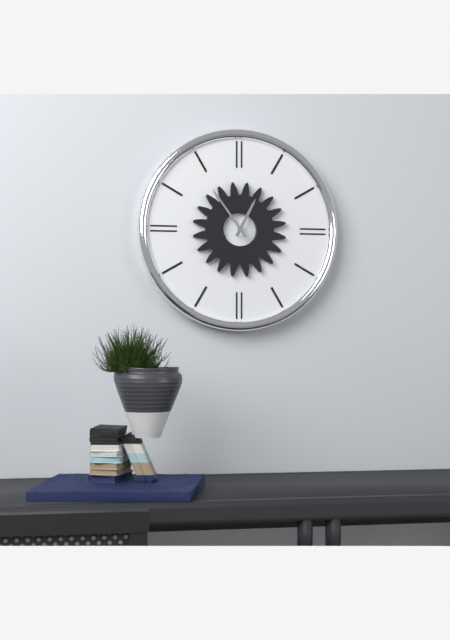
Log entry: {"hour": 12, "minute": 54}
